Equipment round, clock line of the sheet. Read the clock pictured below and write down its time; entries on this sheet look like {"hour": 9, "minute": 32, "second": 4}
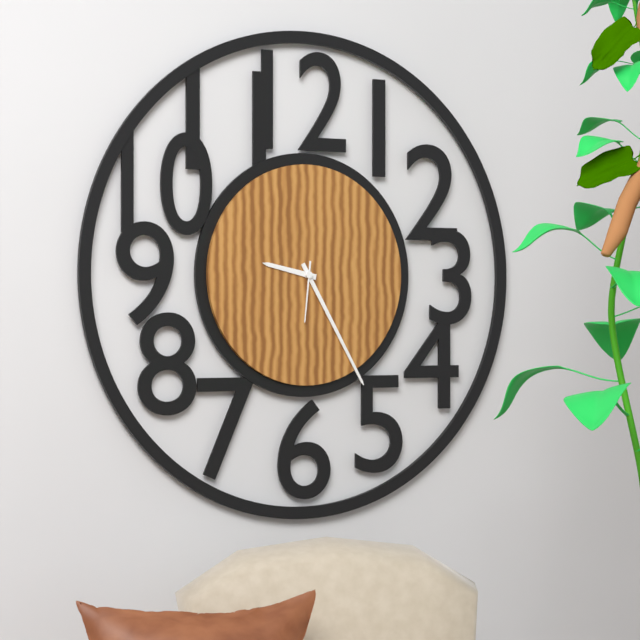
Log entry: {"hour": 9, "minute": 25, "second": 31}
